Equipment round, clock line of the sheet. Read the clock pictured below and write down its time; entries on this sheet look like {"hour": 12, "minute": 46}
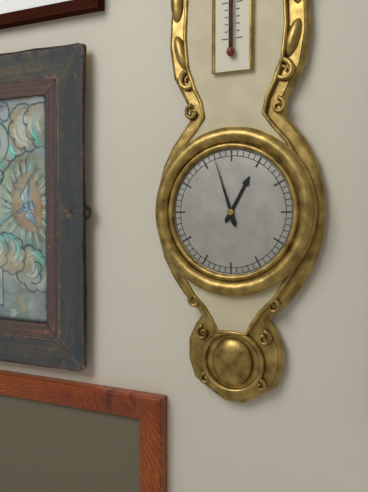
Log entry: {"hour": 12, "minute": 57}
